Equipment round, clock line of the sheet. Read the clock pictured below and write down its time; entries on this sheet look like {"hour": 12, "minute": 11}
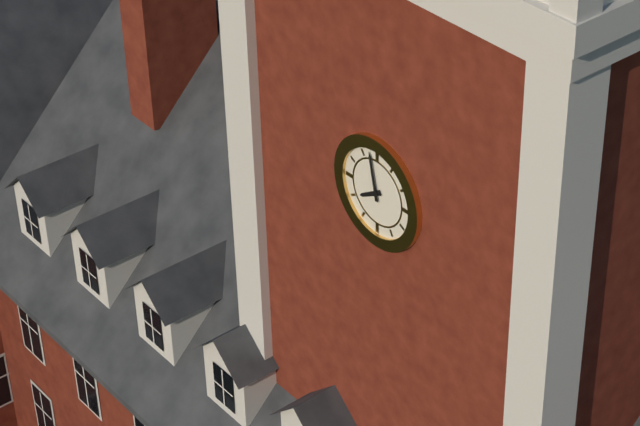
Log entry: {"hour": 7, "minute": 58}
